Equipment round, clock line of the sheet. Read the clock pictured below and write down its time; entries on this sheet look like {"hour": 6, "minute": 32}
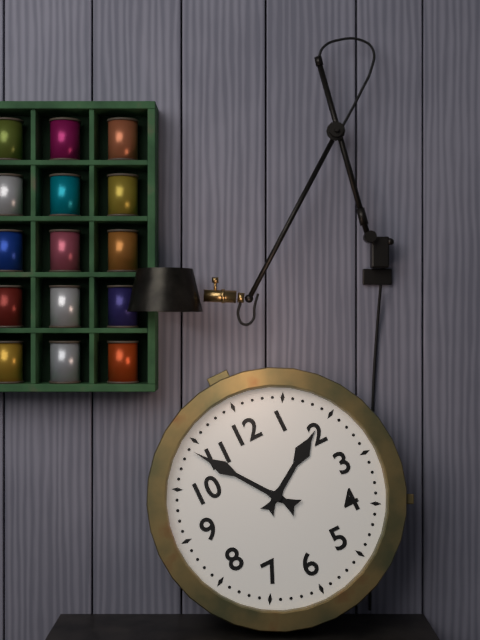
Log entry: {"hour": 1, "minute": 54}
